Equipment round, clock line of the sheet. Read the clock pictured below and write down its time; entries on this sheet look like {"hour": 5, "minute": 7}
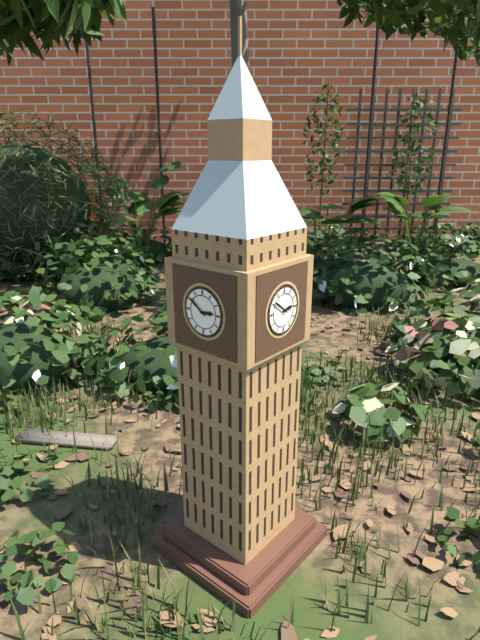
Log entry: {"hour": 2, "minute": 51}
